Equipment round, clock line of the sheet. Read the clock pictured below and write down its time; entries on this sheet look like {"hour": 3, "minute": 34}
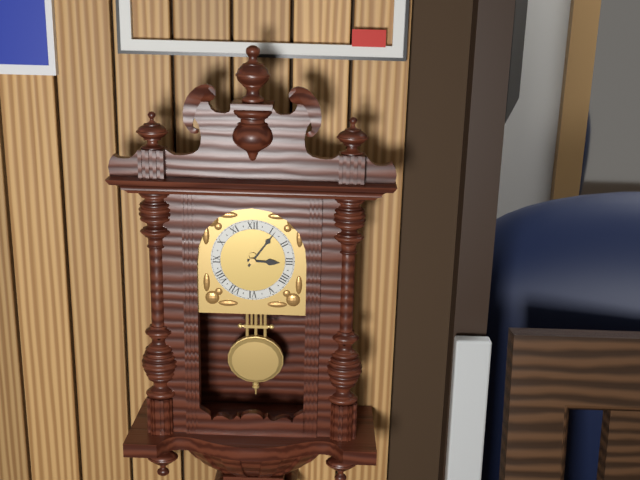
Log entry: {"hour": 3, "minute": 6}
